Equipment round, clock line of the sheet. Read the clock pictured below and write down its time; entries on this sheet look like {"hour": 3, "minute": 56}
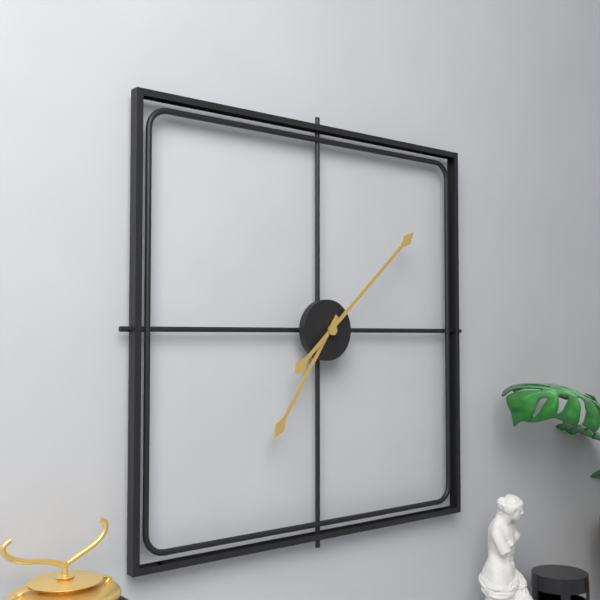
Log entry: {"hour": 7, "minute": 8}
